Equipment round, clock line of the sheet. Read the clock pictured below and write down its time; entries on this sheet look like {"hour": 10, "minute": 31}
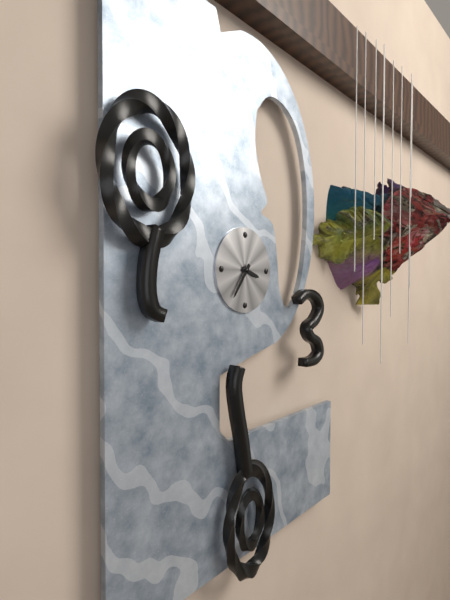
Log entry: {"hour": 3, "minute": 36}
